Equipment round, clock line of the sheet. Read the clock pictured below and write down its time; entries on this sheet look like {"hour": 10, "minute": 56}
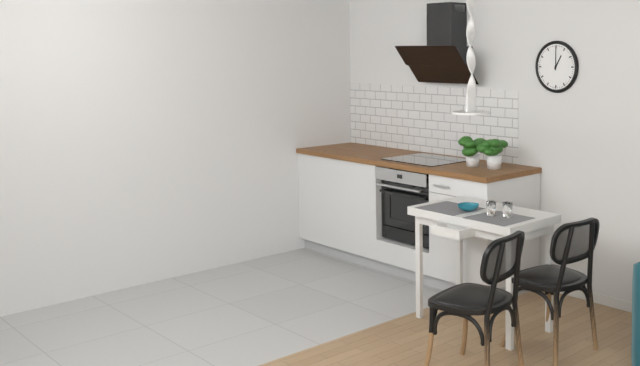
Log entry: {"hour": 1, "minute": 0}
